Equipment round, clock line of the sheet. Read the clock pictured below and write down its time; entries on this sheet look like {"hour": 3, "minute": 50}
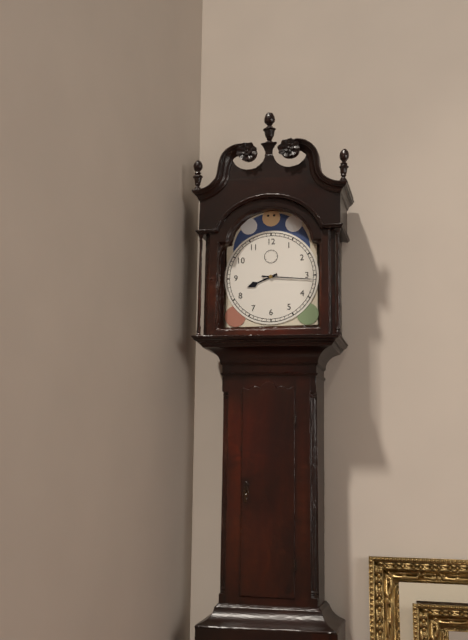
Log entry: {"hour": 8, "minute": 16}
